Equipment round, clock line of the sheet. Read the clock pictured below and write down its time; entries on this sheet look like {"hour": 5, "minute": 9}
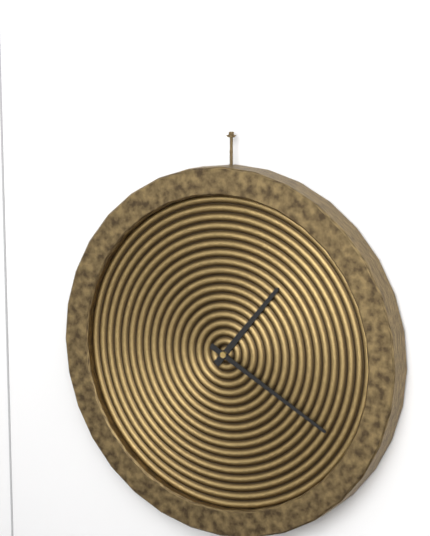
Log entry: {"hour": 1, "minute": 20}
